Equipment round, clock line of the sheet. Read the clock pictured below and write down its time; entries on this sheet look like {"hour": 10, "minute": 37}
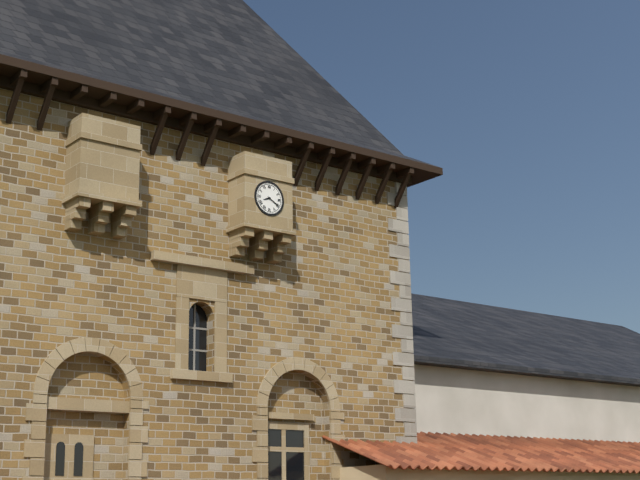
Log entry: {"hour": 8, "minute": 20}
